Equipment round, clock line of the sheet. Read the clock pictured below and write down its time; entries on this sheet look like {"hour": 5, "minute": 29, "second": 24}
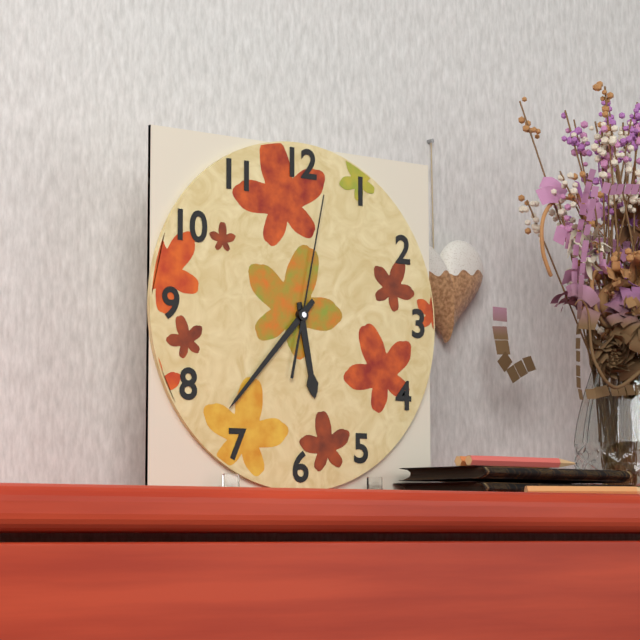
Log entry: {"hour": 5, "minute": 37, "second": 2}
